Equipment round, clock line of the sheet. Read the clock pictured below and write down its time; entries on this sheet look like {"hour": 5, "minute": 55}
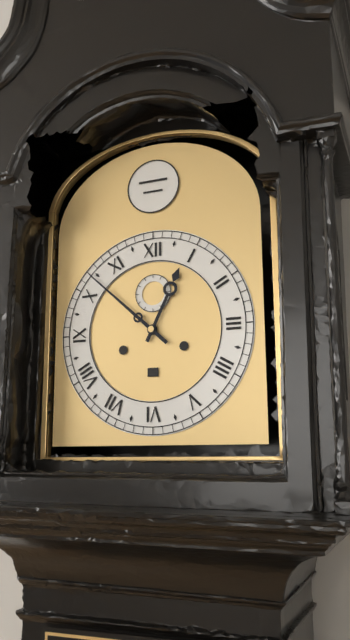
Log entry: {"hour": 12, "minute": 52}
